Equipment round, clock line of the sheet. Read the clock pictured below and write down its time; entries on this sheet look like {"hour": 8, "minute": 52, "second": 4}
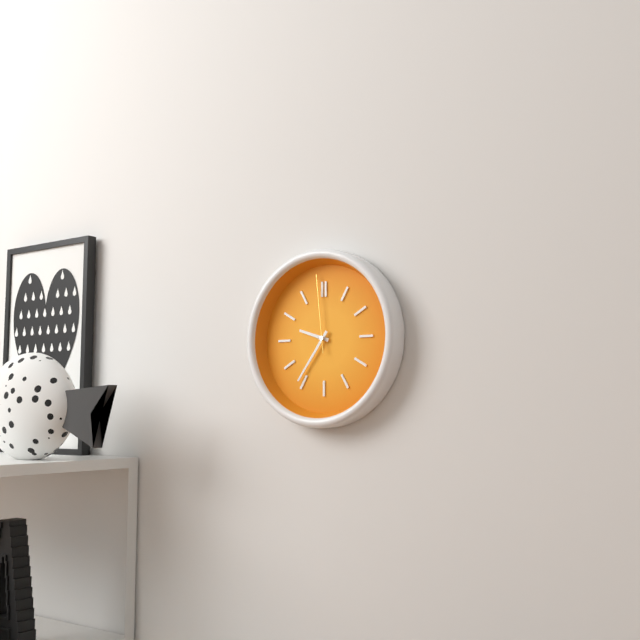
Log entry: {"hour": 9, "minute": 36, "second": 59}
